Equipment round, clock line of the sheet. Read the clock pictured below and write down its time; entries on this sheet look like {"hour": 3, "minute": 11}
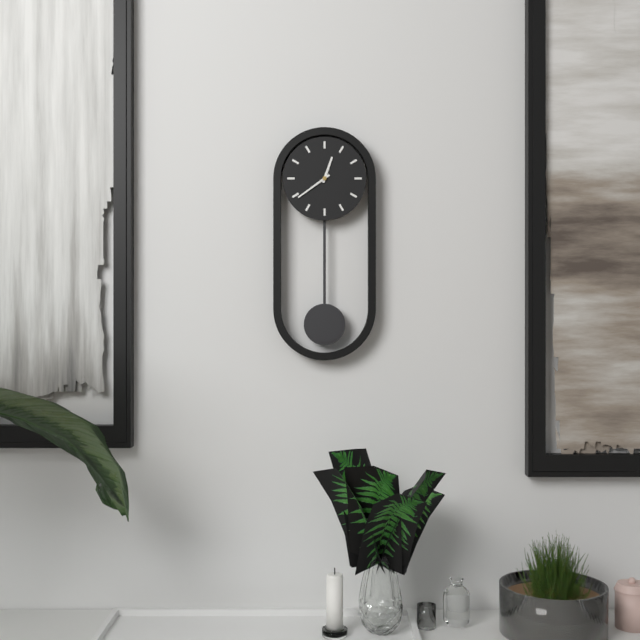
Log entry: {"hour": 12, "minute": 39}
